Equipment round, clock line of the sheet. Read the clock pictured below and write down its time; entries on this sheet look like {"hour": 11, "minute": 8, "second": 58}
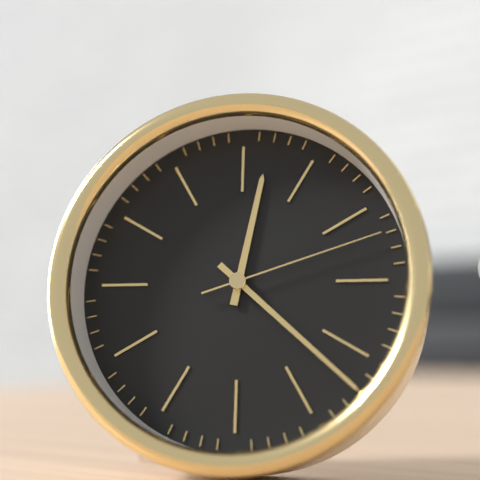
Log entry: {"hour": 12, "minute": 22, "second": 12}
